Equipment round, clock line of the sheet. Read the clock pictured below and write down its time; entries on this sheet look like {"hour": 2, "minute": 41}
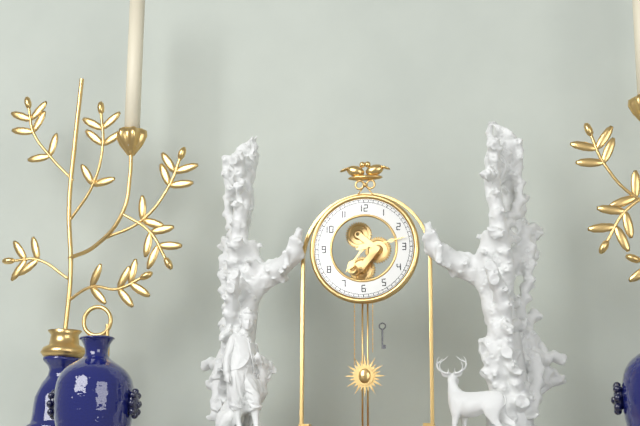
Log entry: {"hour": 7, "minute": 13}
